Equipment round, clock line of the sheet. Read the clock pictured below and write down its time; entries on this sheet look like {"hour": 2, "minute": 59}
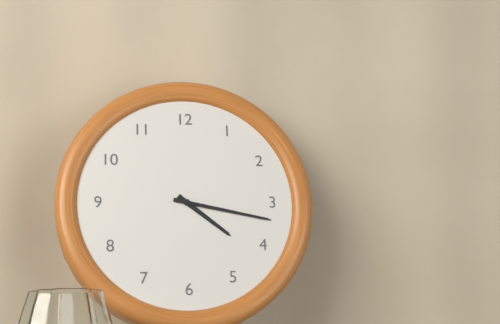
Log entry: {"hour": 4, "minute": 17}
